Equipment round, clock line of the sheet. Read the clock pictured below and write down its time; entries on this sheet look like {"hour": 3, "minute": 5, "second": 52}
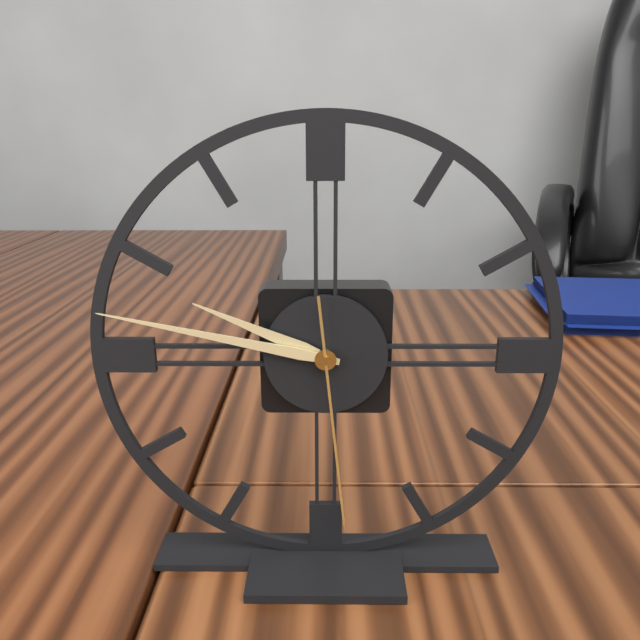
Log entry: {"hour": 9, "minute": 47, "second": 29}
